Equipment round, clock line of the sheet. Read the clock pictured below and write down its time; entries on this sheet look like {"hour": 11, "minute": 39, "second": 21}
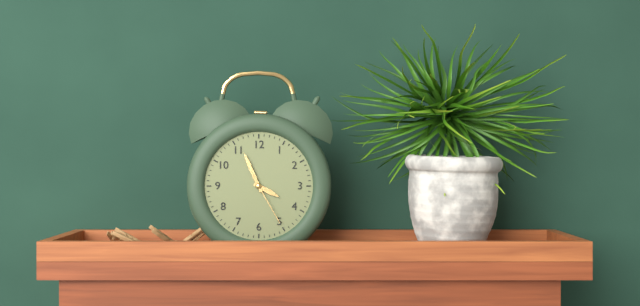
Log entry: {"hour": 3, "minute": 56, "second": 25}
